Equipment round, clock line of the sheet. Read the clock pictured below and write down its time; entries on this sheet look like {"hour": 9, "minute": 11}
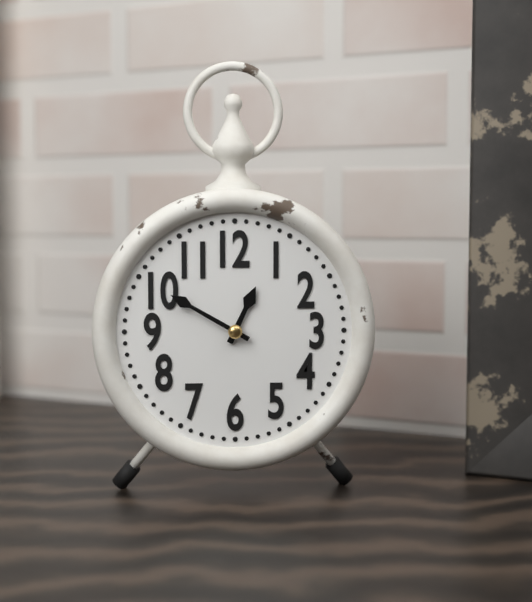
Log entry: {"hour": 12, "minute": 50}
